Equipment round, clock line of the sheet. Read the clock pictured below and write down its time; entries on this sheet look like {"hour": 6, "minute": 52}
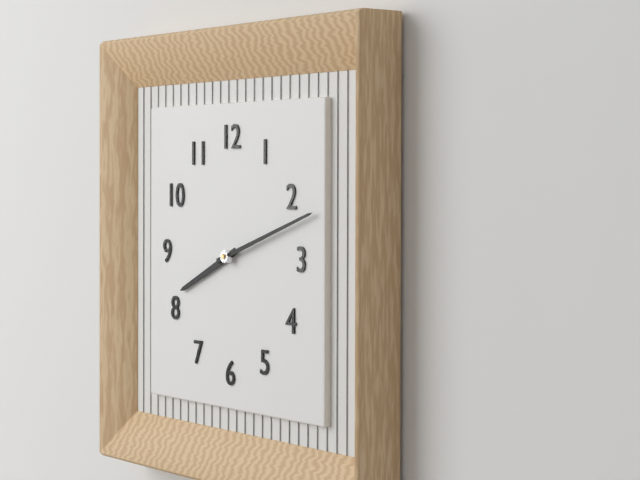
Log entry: {"hour": 8, "minute": 12}
